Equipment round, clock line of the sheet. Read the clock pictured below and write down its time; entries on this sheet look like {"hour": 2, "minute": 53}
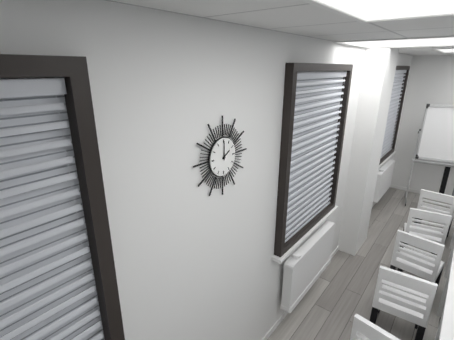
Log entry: {"hour": 2, "minute": 0}
